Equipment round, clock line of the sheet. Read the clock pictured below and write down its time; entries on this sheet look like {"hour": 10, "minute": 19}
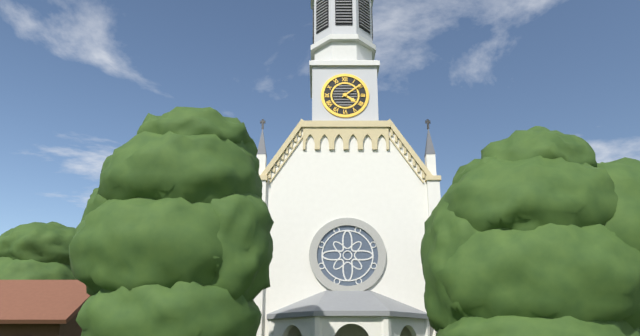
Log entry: {"hour": 4, "minute": 9}
